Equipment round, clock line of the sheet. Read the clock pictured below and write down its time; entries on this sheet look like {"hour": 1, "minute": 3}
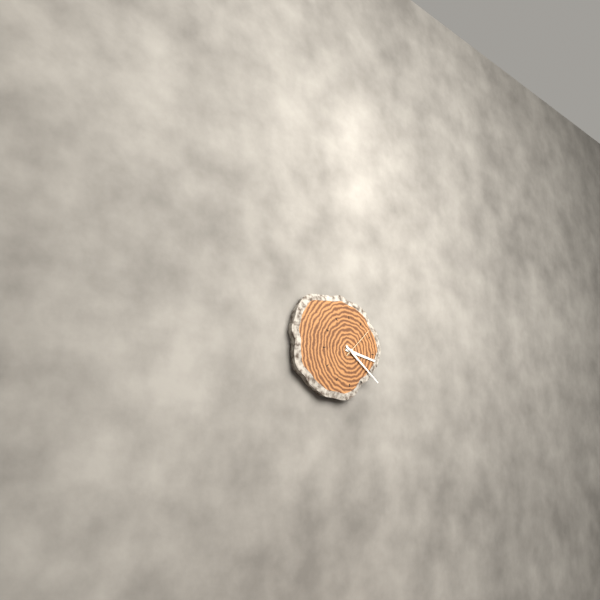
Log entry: {"hour": 3, "minute": 21}
